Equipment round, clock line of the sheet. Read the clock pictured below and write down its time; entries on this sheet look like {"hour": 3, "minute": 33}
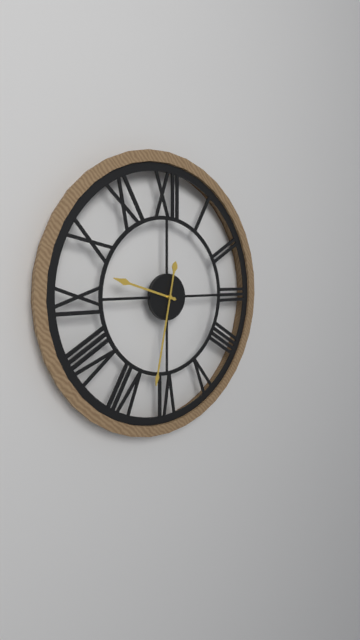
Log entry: {"hour": 9, "minute": 32}
